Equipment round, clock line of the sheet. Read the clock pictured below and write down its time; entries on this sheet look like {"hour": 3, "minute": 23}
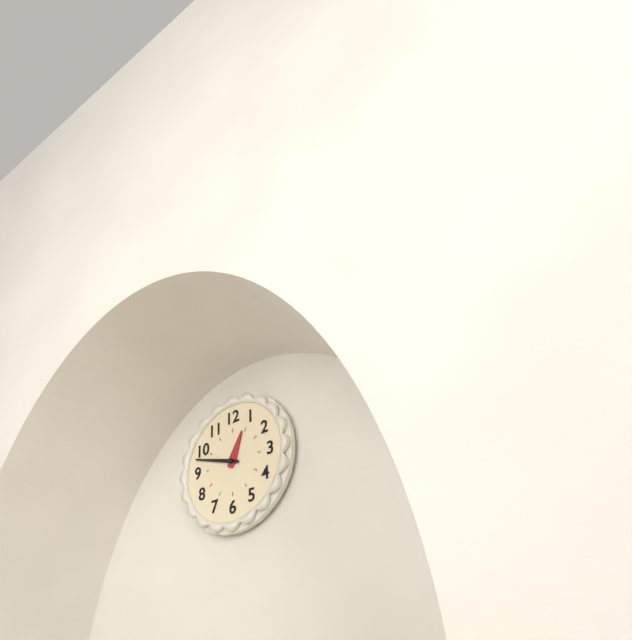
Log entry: {"hour": 12, "minute": 48}
